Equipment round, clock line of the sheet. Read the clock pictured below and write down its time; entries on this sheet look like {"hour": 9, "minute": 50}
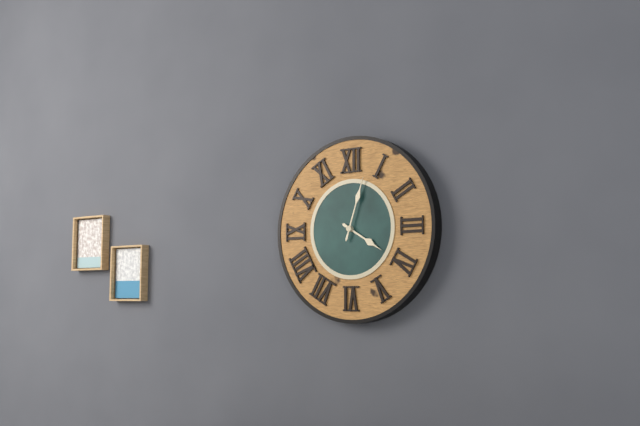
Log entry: {"hour": 4, "minute": 3}
